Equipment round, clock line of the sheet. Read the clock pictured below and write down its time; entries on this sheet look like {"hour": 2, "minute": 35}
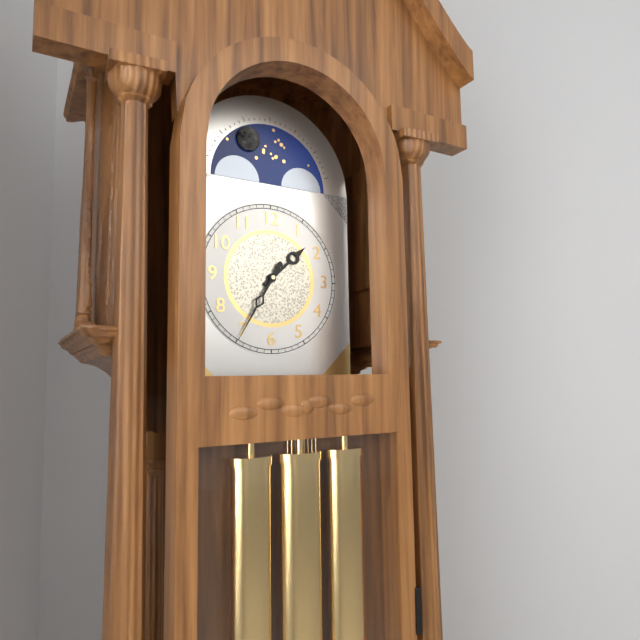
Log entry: {"hour": 1, "minute": 35}
